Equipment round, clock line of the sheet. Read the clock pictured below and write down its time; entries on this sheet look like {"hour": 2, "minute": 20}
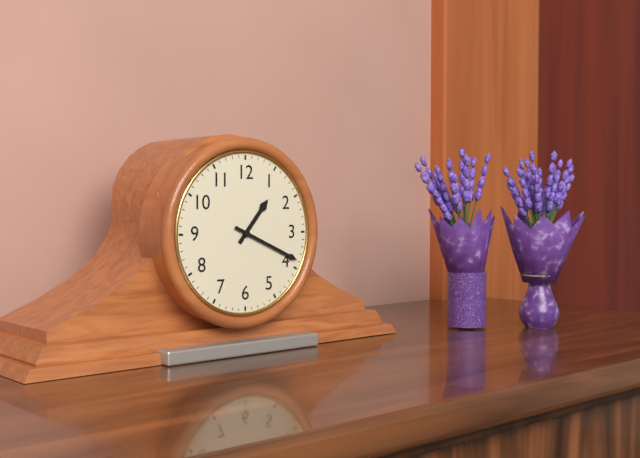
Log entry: {"hour": 1, "minute": 19}
